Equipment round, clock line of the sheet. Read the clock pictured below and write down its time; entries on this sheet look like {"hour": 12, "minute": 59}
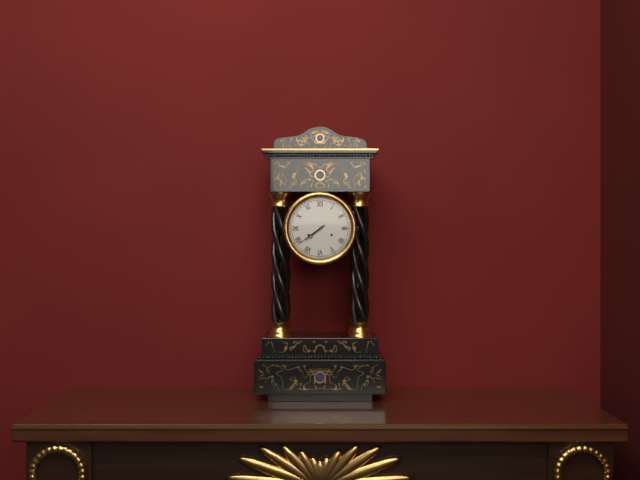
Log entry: {"hour": 7, "minute": 39}
